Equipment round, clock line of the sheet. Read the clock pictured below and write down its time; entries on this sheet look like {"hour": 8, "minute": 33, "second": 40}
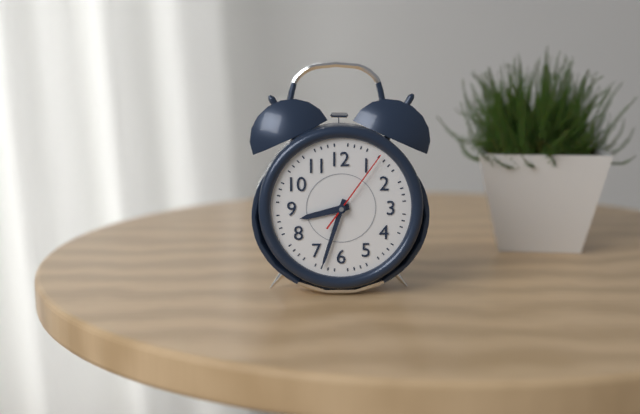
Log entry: {"hour": 8, "minute": 33, "second": 6}
